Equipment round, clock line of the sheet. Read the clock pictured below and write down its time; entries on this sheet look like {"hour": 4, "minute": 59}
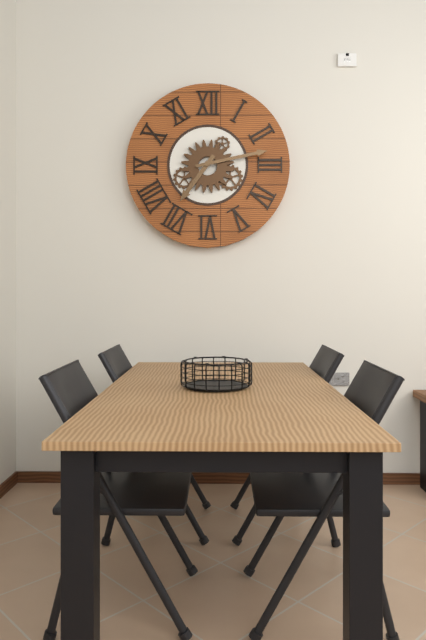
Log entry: {"hour": 7, "minute": 13}
